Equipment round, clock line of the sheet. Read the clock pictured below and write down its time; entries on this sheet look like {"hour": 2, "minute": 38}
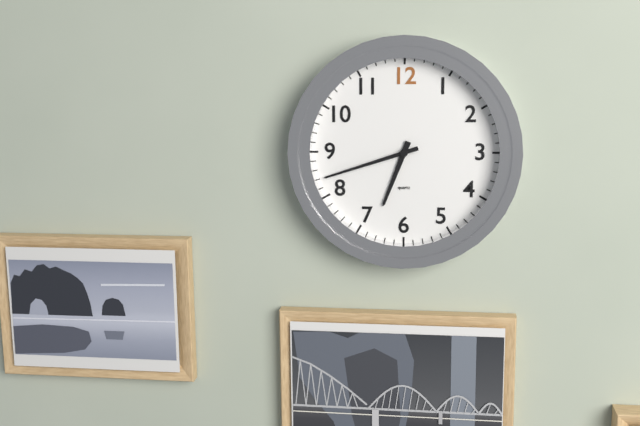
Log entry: {"hour": 6, "minute": 42}
